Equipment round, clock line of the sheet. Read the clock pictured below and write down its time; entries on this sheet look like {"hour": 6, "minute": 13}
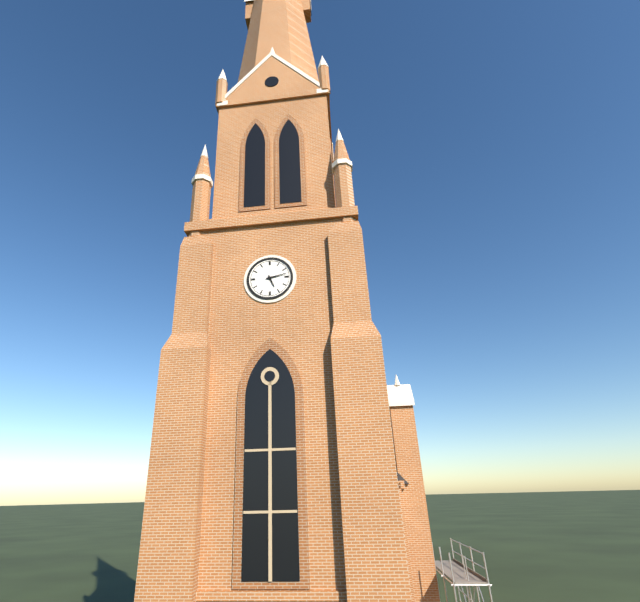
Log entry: {"hour": 5, "minute": 13}
